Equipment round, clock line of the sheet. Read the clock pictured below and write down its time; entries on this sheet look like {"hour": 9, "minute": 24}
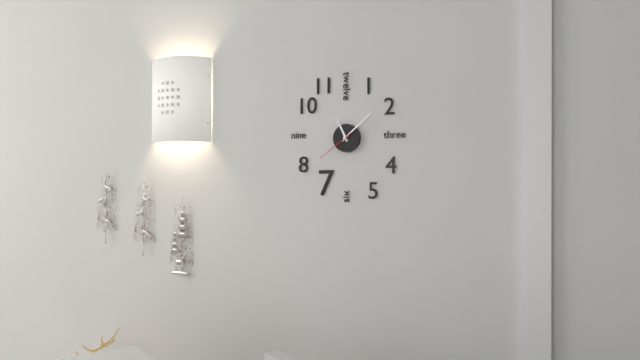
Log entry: {"hour": 11, "minute": 8}
